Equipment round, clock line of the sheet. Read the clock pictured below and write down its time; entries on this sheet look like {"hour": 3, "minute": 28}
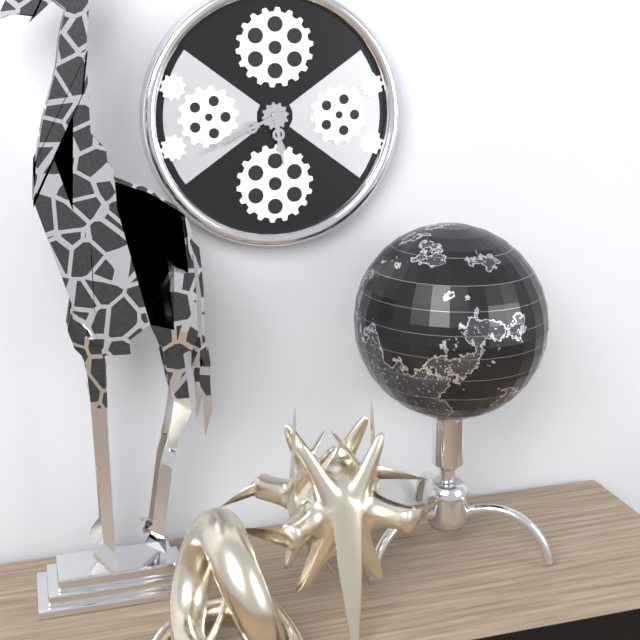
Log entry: {"hour": 5, "minute": 41}
